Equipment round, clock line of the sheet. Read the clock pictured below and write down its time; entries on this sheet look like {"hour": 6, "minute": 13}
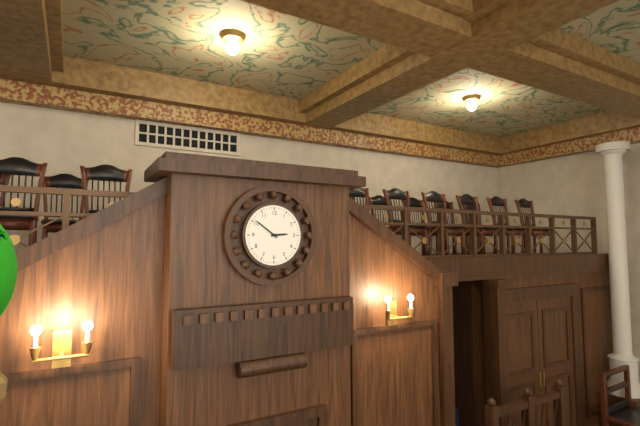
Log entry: {"hour": 2, "minute": 51}
